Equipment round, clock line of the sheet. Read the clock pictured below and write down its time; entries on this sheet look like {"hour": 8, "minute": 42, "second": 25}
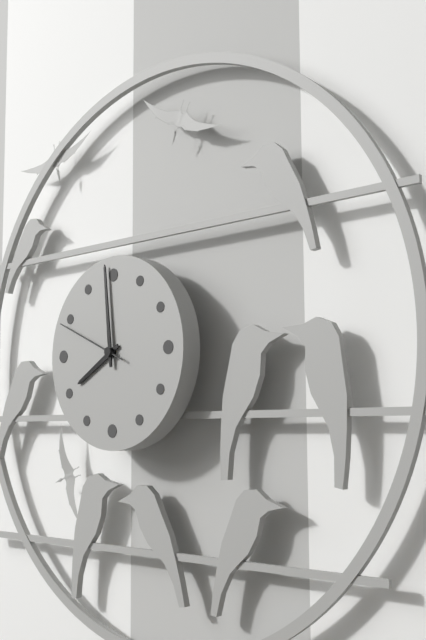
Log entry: {"hour": 7, "minute": 59, "second": 49}
